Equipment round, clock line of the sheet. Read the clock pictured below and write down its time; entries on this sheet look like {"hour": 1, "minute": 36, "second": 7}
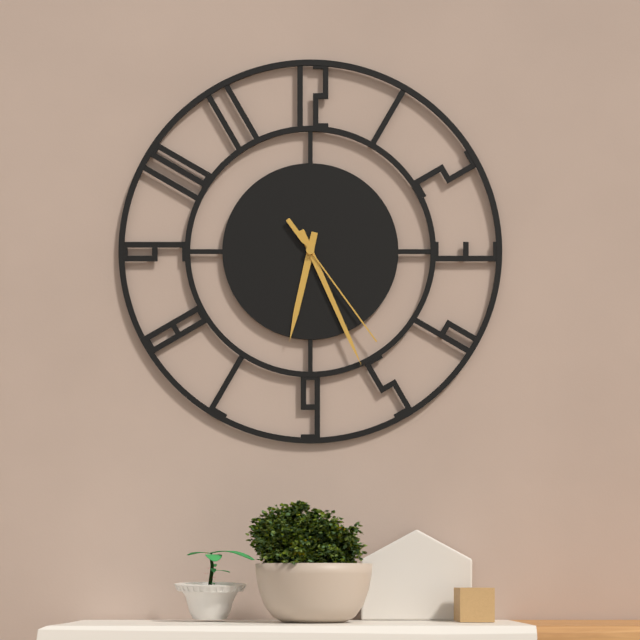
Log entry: {"hour": 6, "minute": 26, "second": 24}
